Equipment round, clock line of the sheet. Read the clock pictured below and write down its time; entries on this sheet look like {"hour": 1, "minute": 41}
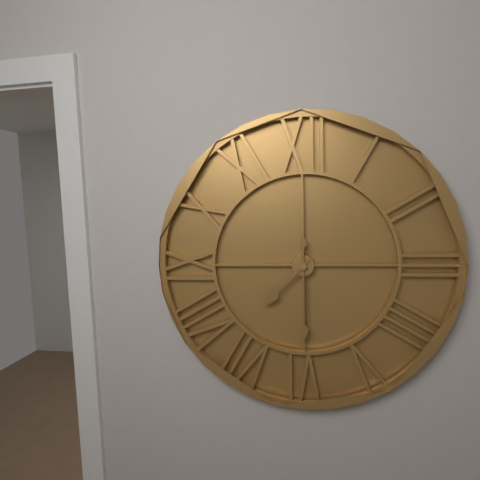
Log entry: {"hour": 7, "minute": 30}
